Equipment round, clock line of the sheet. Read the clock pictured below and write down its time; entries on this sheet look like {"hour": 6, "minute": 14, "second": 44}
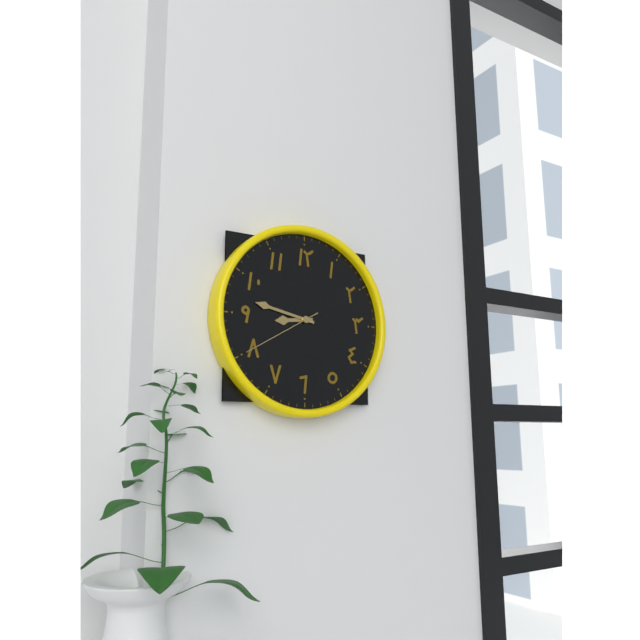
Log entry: {"hour": 8, "minute": 47, "second": 40}
